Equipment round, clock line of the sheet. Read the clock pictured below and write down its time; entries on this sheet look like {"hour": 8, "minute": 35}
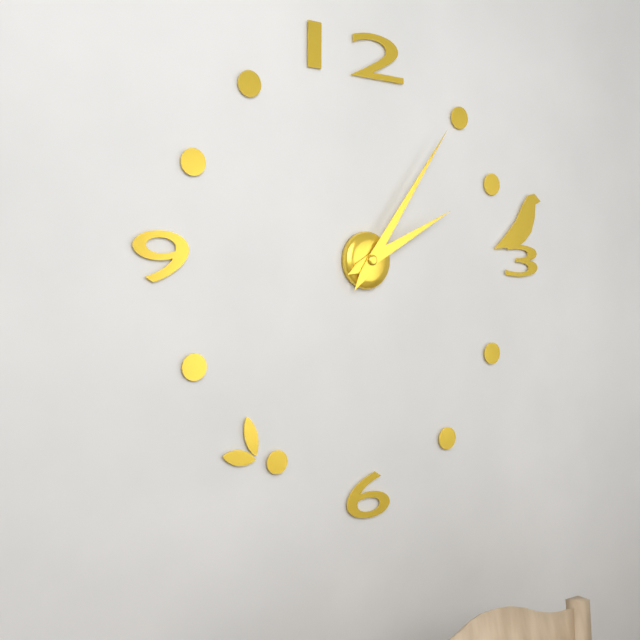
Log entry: {"hour": 2, "minute": 6}
